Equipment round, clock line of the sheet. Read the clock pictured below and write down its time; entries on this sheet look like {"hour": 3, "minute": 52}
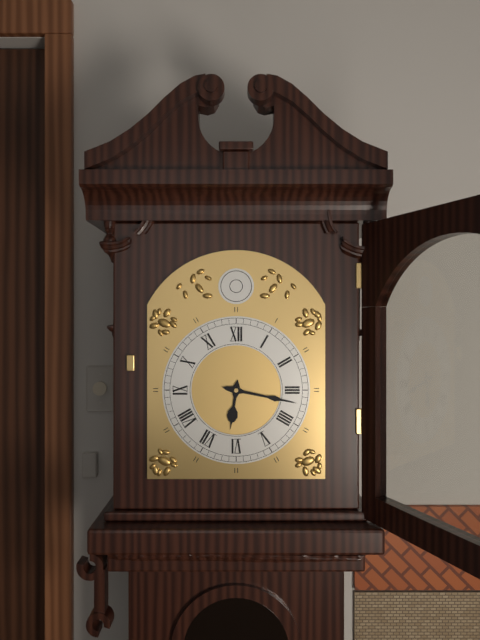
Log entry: {"hour": 6, "minute": 17}
